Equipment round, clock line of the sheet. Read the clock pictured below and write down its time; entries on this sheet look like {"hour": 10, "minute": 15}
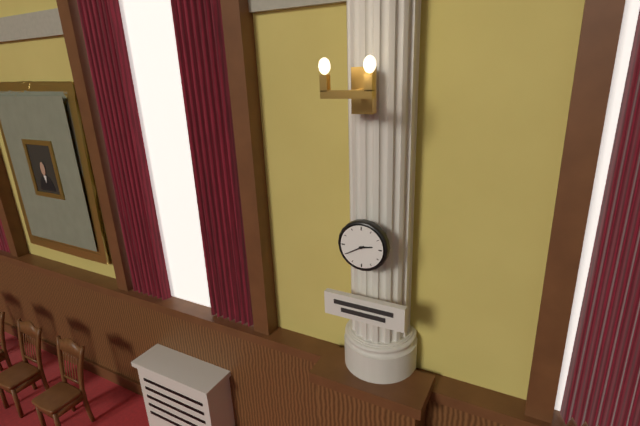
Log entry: {"hour": 2, "minute": 40}
